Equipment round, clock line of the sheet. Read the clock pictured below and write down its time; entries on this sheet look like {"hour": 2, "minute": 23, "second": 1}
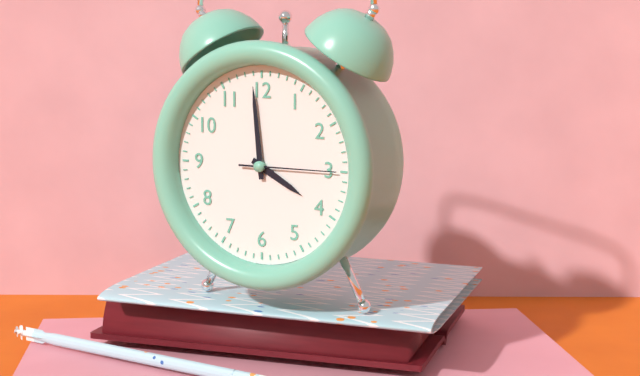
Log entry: {"hour": 3, "minute": 59, "second": 15}
